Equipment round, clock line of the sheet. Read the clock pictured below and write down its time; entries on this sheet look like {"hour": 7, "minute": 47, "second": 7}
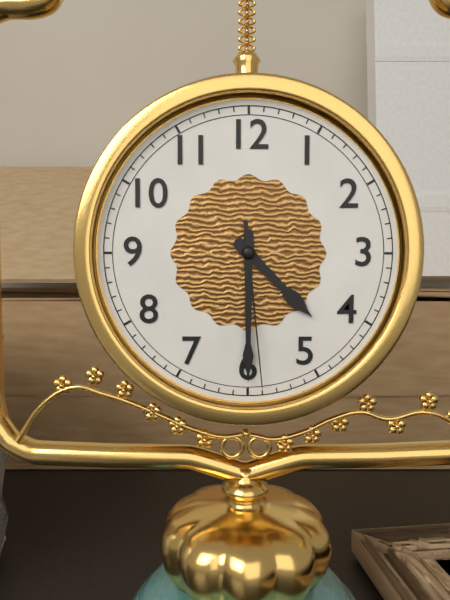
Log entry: {"hour": 4, "minute": 30, "second": 29}
